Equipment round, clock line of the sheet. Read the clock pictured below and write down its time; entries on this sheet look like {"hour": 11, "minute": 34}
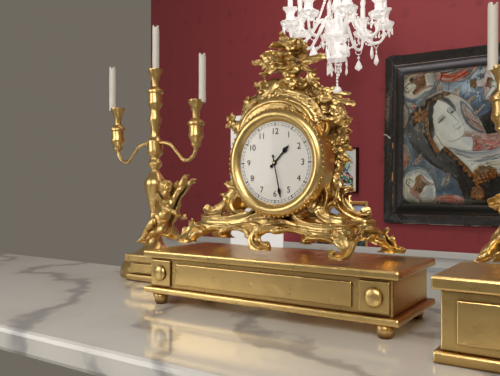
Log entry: {"hour": 1, "minute": 28}
